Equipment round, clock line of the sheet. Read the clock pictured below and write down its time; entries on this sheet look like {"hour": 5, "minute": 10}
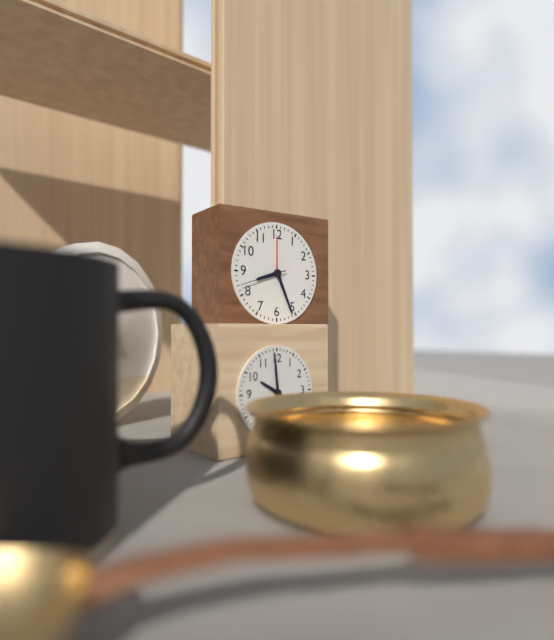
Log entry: {"hour": 8, "minute": 26}
